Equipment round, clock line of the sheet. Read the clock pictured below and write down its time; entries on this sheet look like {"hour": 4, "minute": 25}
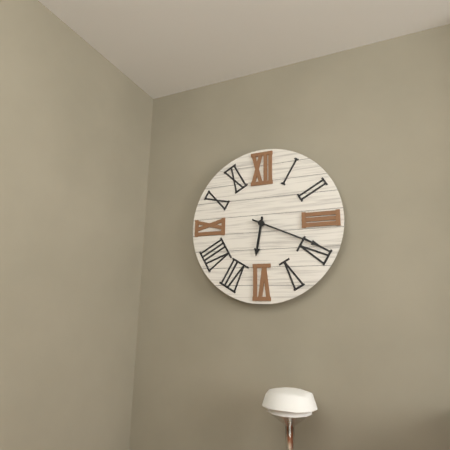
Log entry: {"hour": 6, "minute": 19}
